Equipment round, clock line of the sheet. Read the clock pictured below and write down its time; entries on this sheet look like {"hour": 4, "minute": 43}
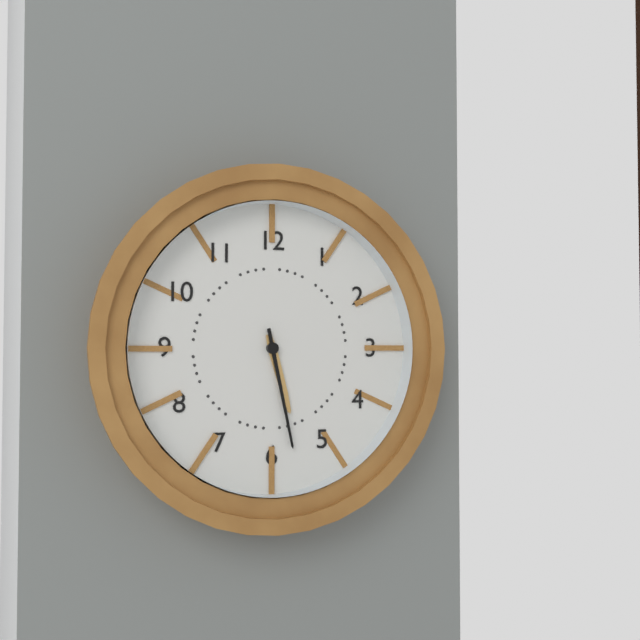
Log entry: {"hour": 5, "minute": 28}
